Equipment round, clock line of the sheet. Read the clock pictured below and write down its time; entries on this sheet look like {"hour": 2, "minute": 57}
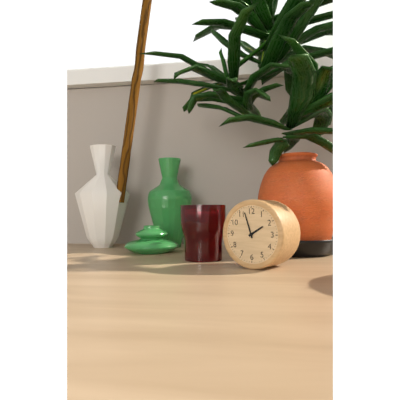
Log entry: {"hour": 1, "minute": 57}
